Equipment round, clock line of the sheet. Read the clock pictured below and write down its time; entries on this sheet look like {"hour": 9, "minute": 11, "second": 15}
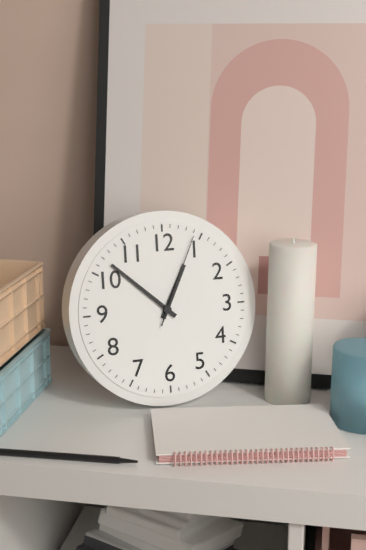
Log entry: {"hour": 12, "minute": 52, "second": 4}
